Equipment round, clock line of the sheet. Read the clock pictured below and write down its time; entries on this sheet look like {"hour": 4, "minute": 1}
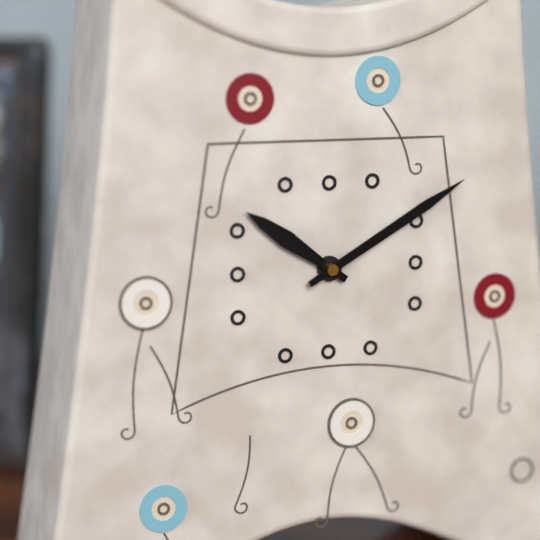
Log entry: {"hour": 10, "minute": 10}
